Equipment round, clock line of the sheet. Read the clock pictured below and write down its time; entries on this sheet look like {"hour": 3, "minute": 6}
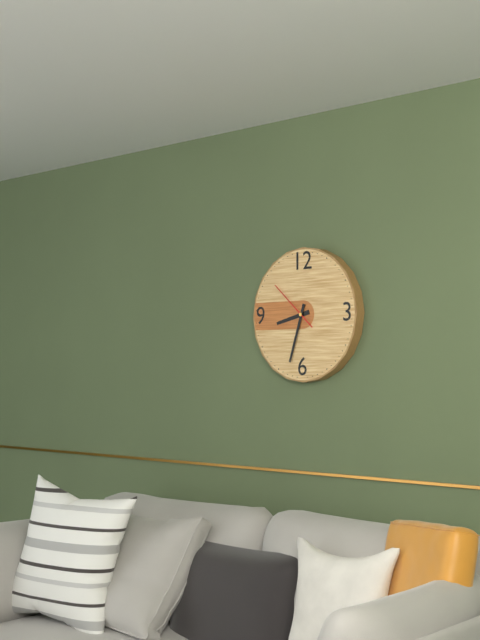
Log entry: {"hour": 8, "minute": 33}
